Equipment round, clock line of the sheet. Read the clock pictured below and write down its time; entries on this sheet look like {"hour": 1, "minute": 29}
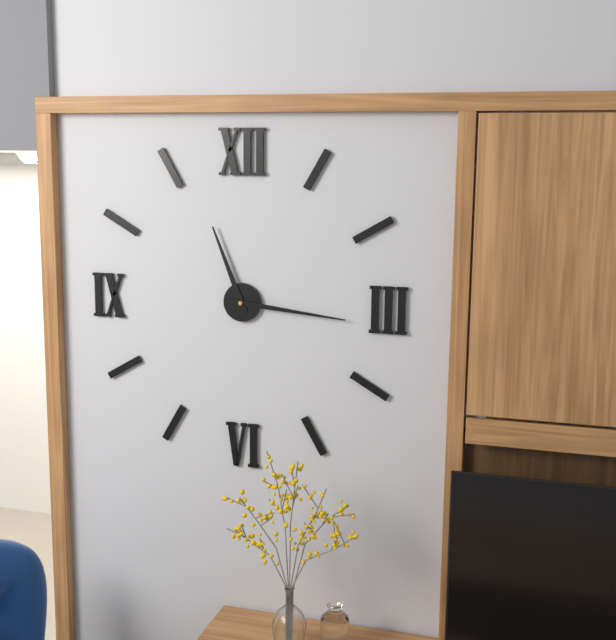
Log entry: {"hour": 11, "minute": 16}
